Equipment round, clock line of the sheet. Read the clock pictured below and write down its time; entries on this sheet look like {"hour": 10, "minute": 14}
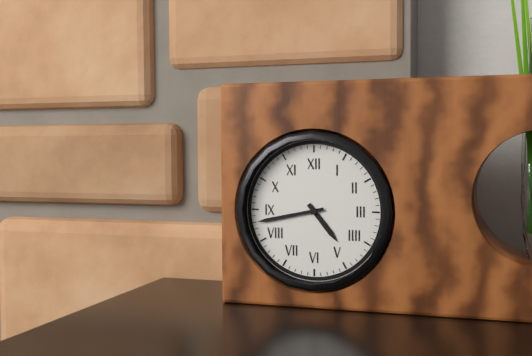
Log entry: {"hour": 4, "minute": 43}
